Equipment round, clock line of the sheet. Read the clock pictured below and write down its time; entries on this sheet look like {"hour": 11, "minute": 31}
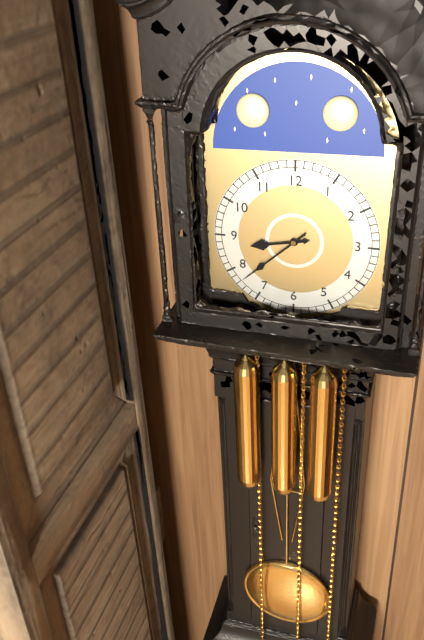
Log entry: {"hour": 8, "minute": 38}
